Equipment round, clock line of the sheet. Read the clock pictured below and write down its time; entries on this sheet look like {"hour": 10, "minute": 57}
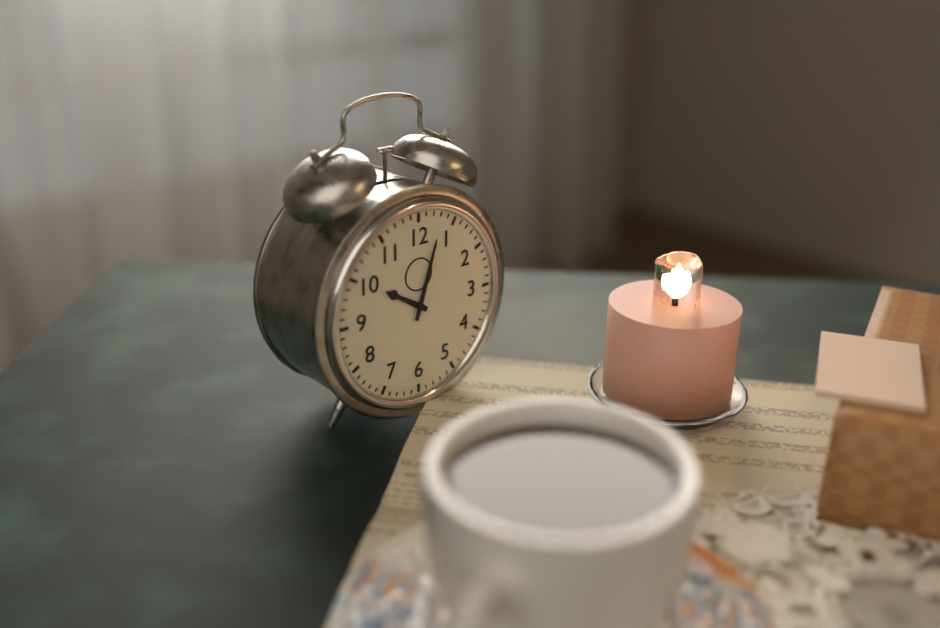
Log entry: {"hour": 10, "minute": 3}
